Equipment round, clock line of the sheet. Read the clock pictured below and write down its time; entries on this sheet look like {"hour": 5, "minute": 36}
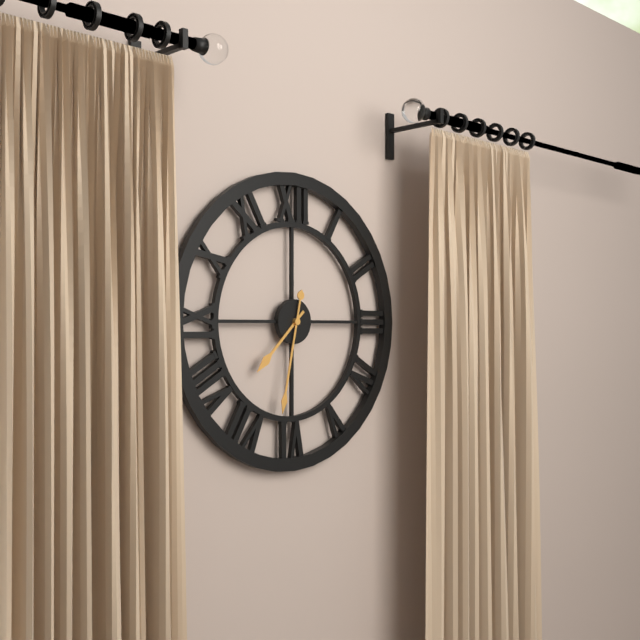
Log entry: {"hour": 7, "minute": 32}
